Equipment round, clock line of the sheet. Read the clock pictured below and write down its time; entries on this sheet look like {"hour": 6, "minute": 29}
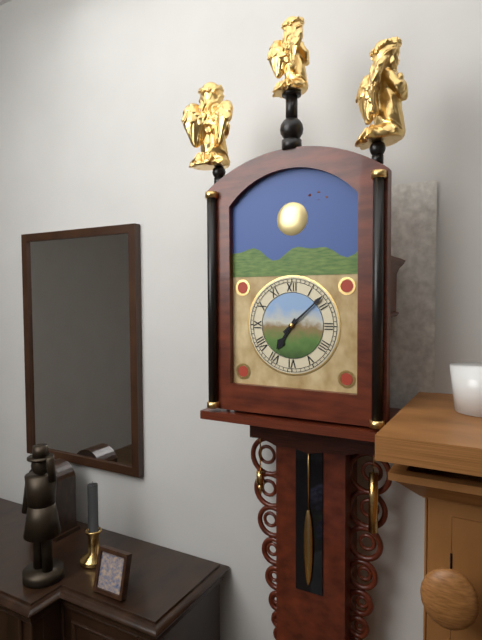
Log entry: {"hour": 7, "minute": 8}
